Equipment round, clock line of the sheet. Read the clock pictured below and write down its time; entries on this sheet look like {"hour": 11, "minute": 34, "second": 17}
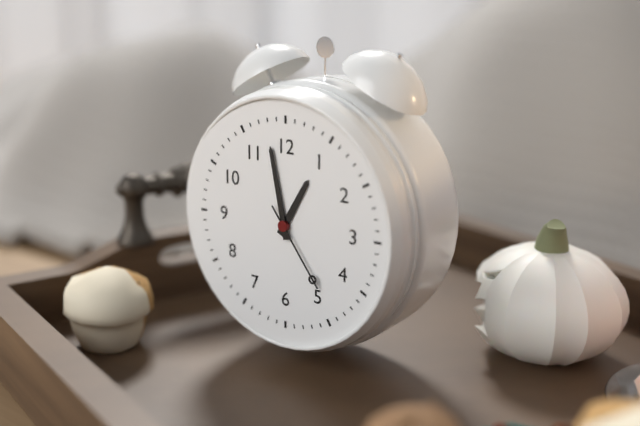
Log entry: {"hour": 12, "minute": 58, "second": 24}
